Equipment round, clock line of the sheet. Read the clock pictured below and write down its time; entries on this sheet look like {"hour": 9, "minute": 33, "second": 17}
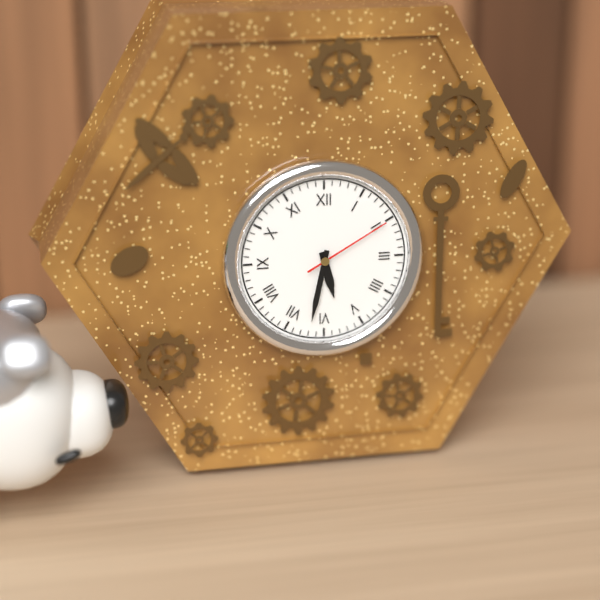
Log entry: {"hour": 5, "minute": 32, "second": 10}
